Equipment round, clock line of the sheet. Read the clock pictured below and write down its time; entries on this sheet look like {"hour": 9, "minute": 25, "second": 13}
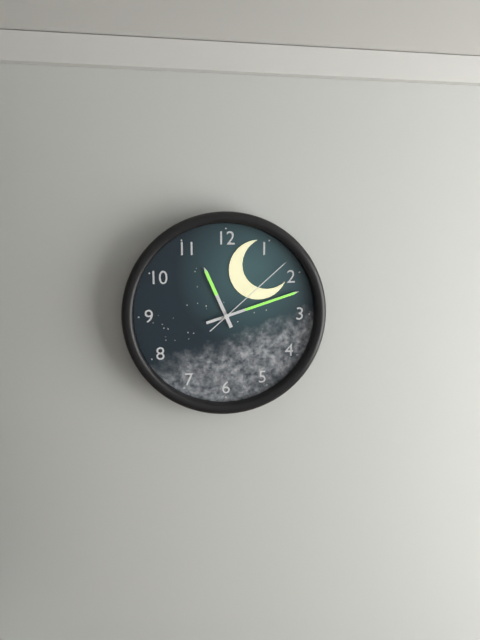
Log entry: {"hour": 11, "minute": 12, "second": 8}
